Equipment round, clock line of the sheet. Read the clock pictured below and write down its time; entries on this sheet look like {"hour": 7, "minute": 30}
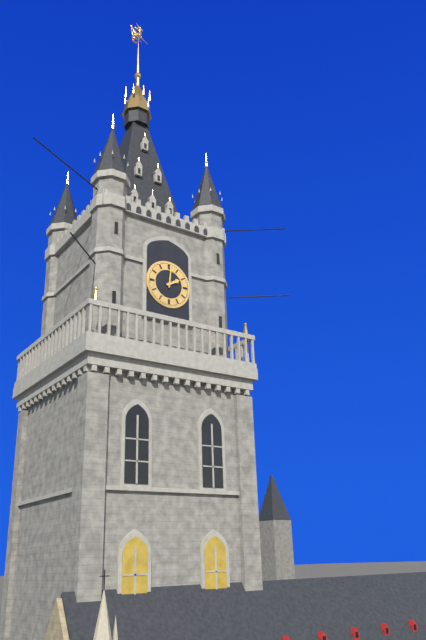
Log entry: {"hour": 2, "minute": 1}
